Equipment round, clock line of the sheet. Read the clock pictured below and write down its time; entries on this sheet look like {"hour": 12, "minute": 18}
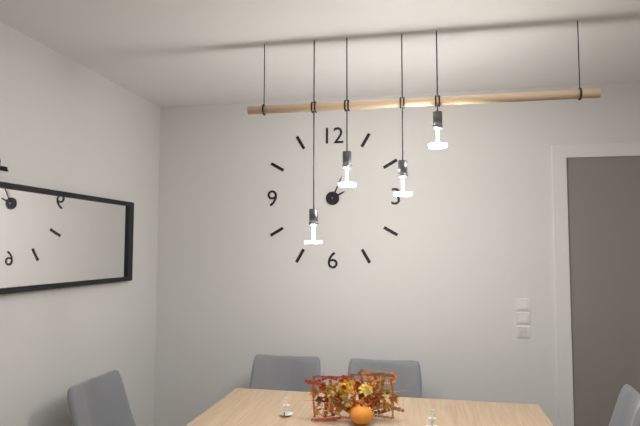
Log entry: {"hour": 2, "minute": 4}
